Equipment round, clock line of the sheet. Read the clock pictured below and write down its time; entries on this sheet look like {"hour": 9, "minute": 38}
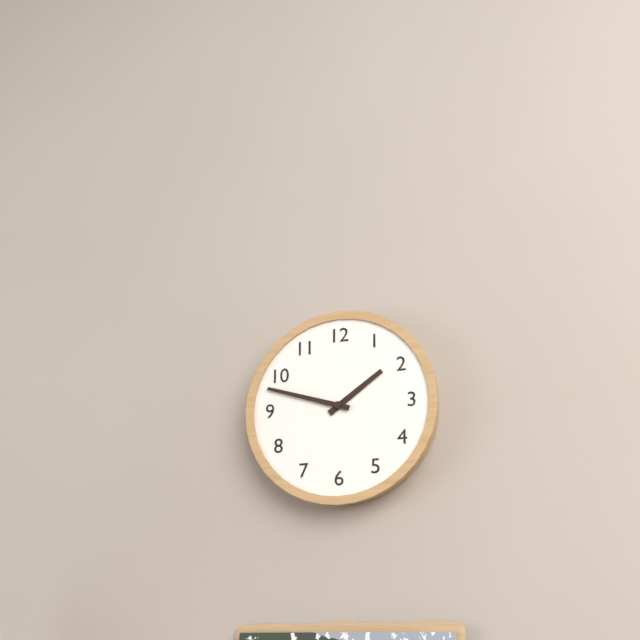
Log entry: {"hour": 1, "minute": 48}
